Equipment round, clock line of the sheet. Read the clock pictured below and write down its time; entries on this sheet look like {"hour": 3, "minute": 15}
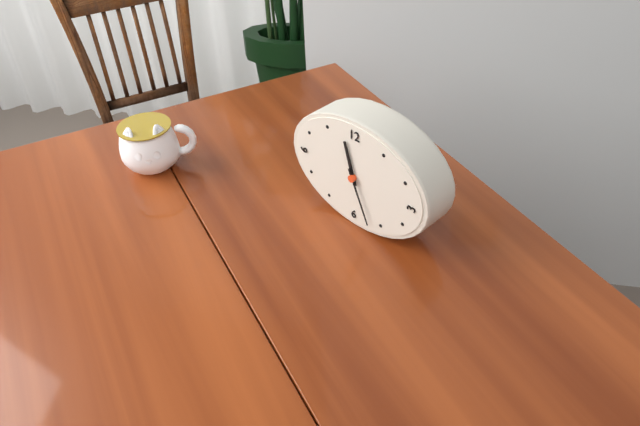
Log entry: {"hour": 11, "minute": 26}
